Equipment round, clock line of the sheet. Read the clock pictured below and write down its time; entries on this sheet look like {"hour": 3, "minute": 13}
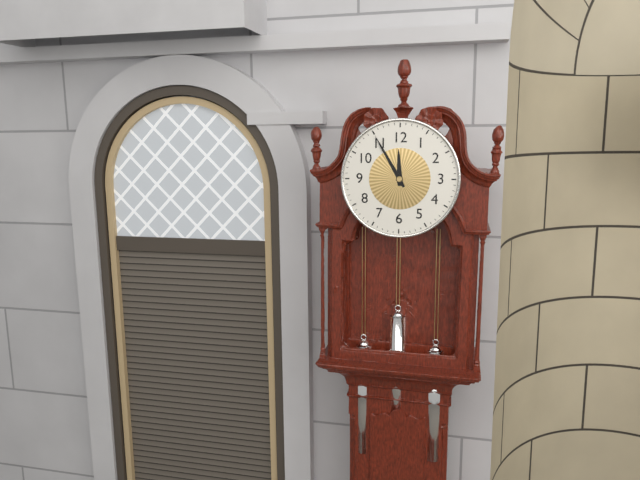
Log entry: {"hour": 11, "minute": 55}
